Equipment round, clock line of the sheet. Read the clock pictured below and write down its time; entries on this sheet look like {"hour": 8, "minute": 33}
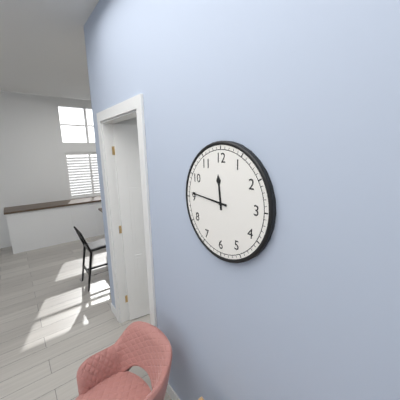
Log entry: {"hour": 11, "minute": 46}
